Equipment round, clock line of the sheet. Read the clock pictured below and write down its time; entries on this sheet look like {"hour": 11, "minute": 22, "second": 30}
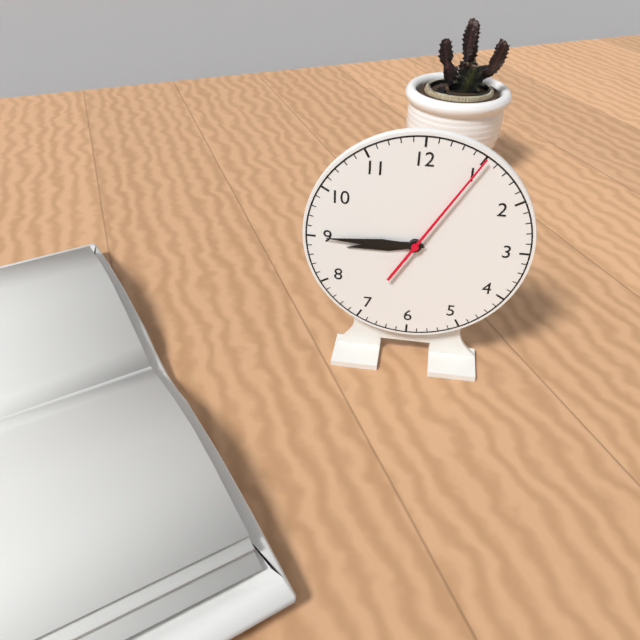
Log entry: {"hour": 8, "minute": 45, "second": 5}
